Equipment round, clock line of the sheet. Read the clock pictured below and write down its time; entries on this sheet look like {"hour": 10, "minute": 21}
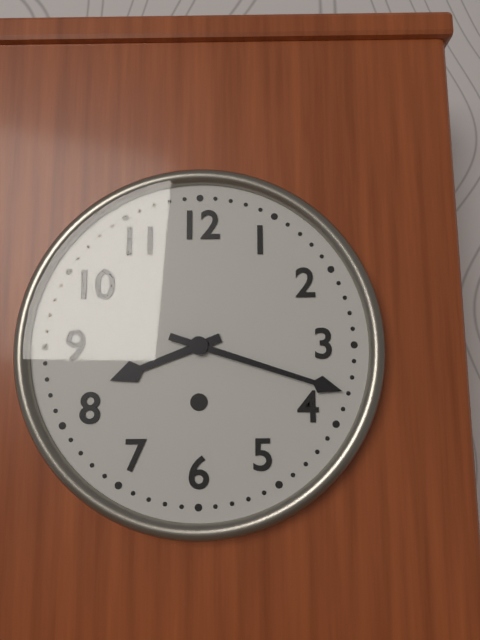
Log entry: {"hour": 8, "minute": 18}
